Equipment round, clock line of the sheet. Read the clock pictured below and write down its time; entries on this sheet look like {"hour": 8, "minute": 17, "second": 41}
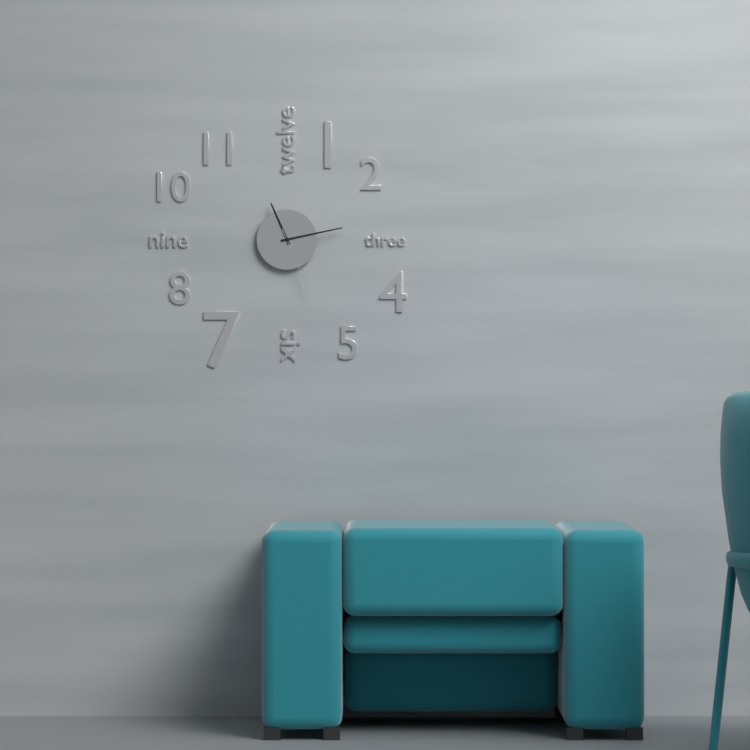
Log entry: {"hour": 11, "minute": 13, "second": 26}
